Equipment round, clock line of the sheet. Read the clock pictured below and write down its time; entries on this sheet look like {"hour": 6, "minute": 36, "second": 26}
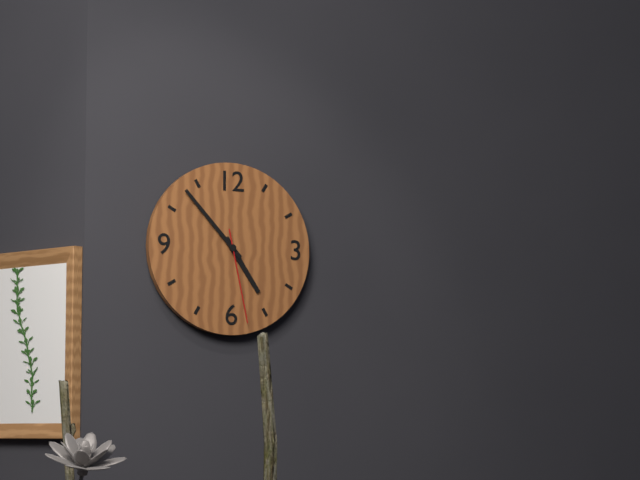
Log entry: {"hour": 4, "minute": 53, "second": 28}
